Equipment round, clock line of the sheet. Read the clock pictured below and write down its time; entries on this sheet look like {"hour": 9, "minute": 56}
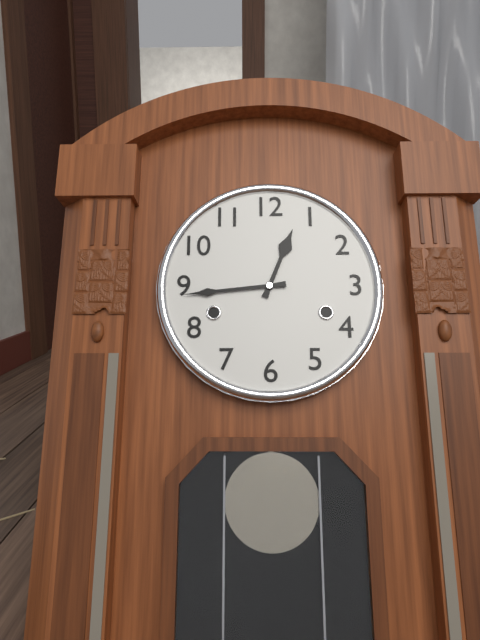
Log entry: {"hour": 12, "minute": 44}
